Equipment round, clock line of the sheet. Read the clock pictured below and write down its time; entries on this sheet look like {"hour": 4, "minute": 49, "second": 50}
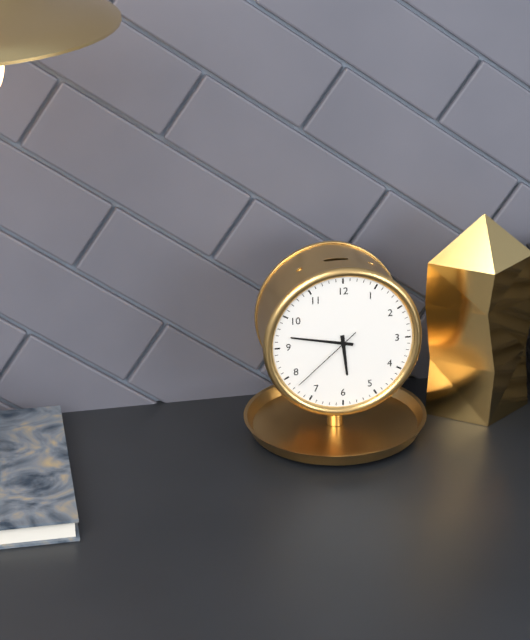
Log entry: {"hour": 5, "minute": 47, "second": 38}
